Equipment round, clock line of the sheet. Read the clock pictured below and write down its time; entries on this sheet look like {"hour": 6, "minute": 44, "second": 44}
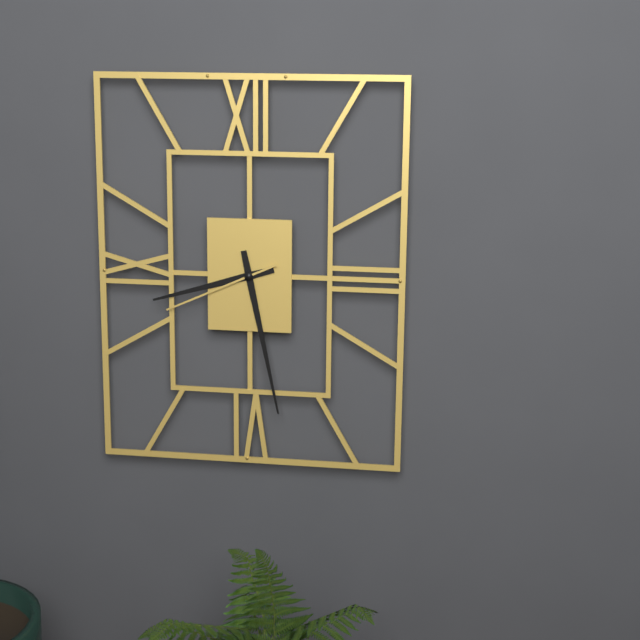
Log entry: {"hour": 8, "minute": 28, "second": 41}
